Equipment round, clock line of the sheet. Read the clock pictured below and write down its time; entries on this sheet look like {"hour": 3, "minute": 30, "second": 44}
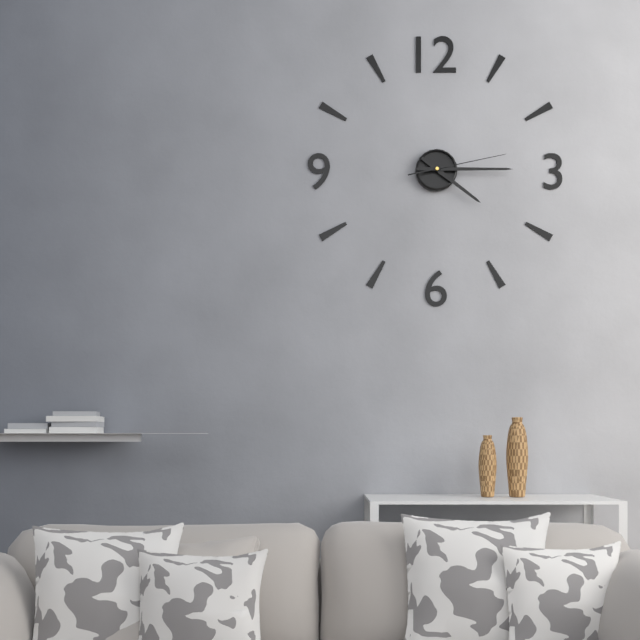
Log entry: {"hour": 4, "minute": 15, "second": 13}
